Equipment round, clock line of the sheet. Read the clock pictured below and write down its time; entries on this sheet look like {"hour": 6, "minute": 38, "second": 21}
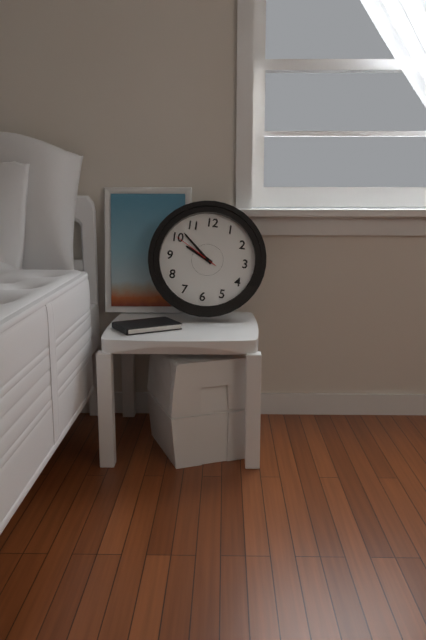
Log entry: {"hour": 9, "minute": 52, "second": 50}
